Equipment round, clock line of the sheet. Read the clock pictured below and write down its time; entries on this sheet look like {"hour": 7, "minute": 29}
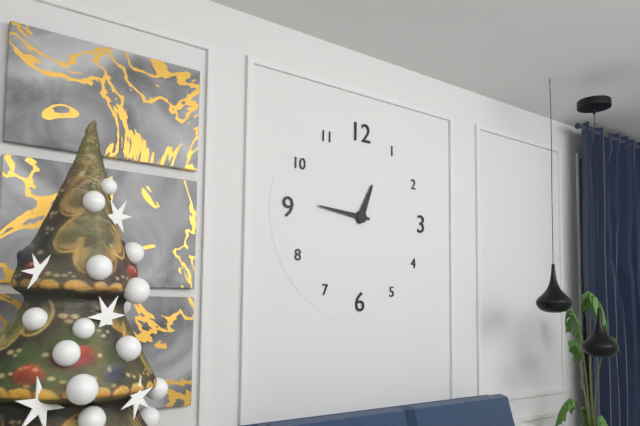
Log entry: {"hour": 12, "minute": 46}
